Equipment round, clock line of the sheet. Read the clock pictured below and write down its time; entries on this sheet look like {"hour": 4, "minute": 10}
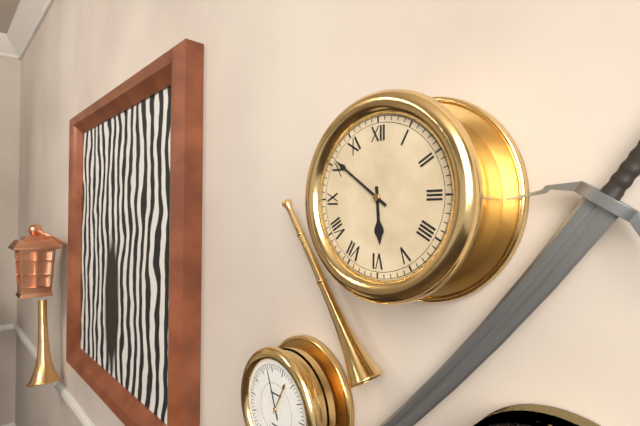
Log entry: {"hour": 5, "minute": 51}
